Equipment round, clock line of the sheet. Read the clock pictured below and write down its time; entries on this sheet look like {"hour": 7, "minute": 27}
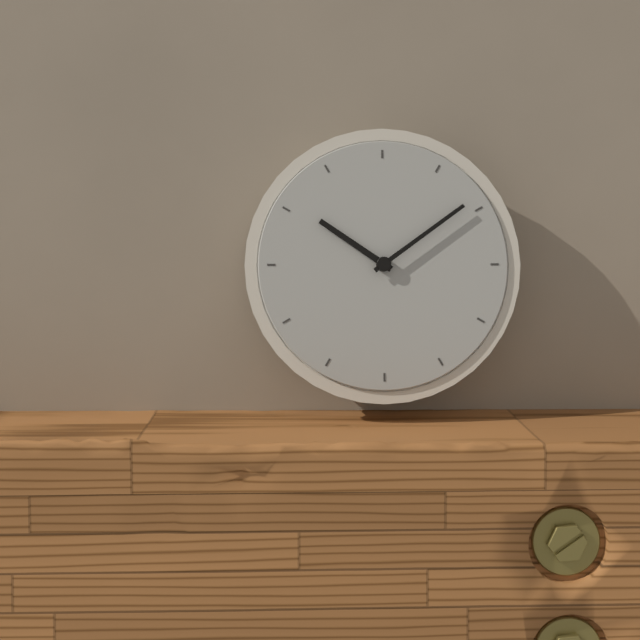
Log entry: {"hour": 10, "minute": 9}
